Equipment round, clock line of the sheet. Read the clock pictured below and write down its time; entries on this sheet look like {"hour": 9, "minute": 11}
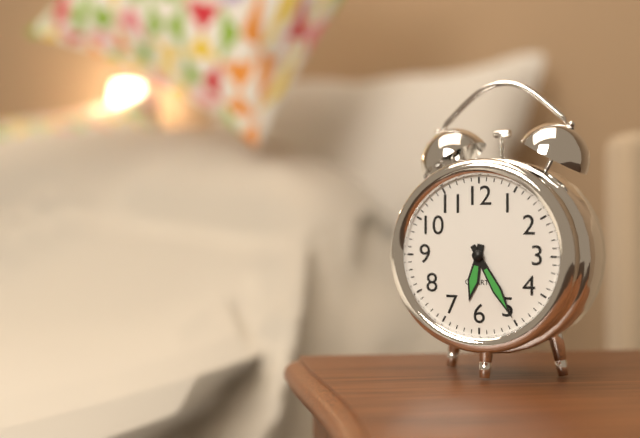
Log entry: {"hour": 6, "minute": 25}
